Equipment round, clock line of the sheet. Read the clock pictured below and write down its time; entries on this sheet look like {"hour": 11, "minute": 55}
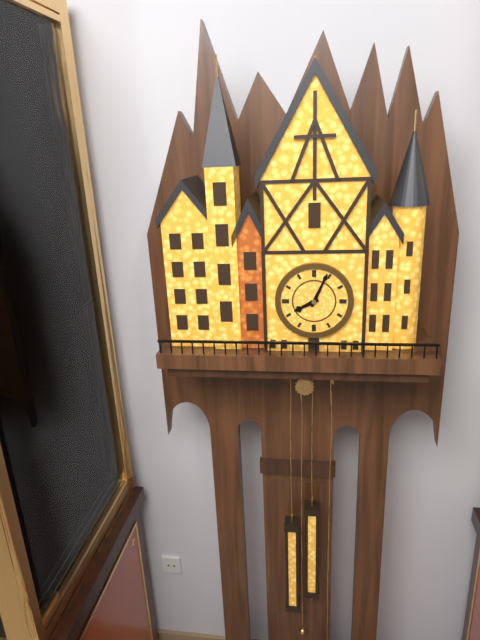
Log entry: {"hour": 8, "minute": 4}
